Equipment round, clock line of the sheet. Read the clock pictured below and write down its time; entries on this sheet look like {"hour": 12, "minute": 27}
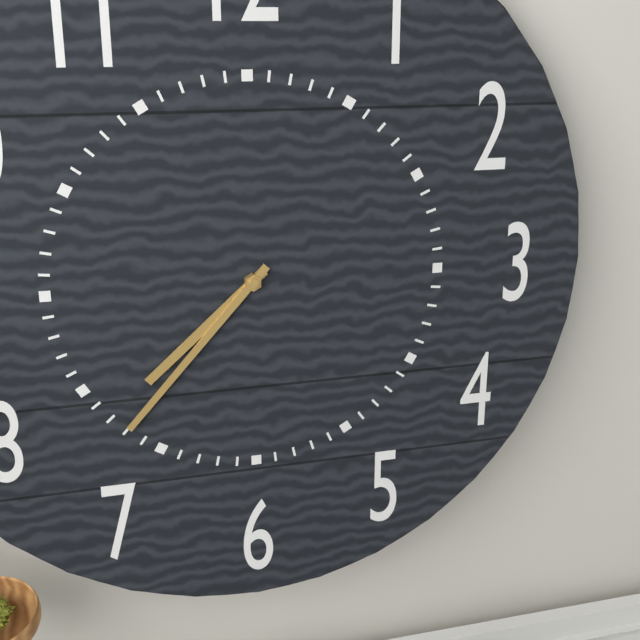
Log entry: {"hour": 7, "minute": 37}
